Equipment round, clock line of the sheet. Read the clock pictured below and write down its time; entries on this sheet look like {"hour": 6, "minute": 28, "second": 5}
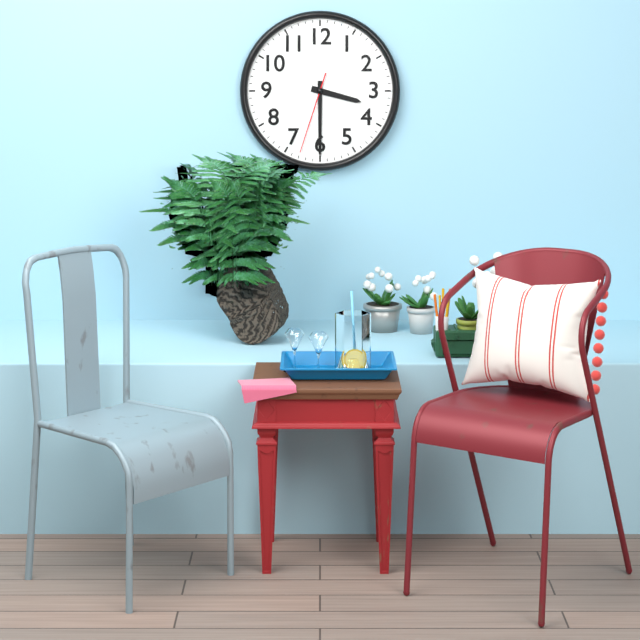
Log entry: {"hour": 3, "minute": 30, "second": 33}
